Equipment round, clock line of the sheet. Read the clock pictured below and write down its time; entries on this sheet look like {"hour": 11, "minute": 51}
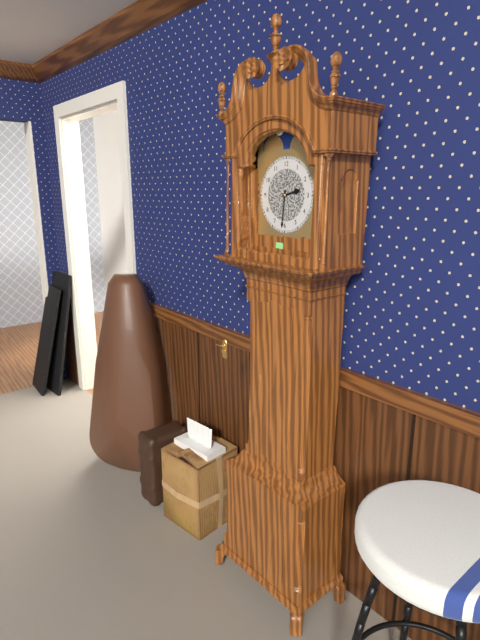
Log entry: {"hour": 2, "minute": 31}
